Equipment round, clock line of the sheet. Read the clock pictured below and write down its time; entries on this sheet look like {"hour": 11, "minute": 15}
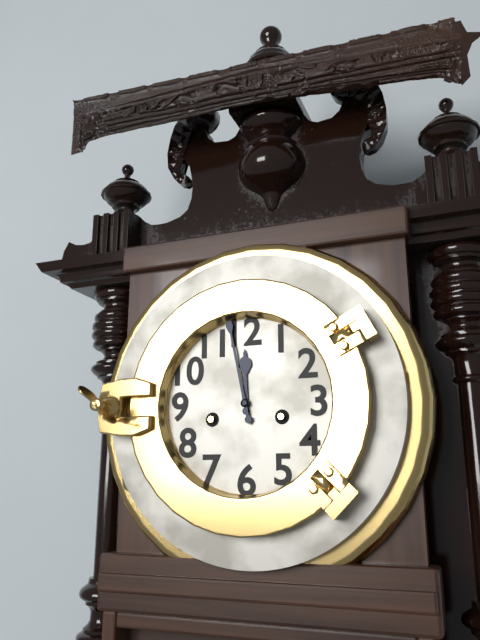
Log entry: {"hour": 11, "minute": 58}
